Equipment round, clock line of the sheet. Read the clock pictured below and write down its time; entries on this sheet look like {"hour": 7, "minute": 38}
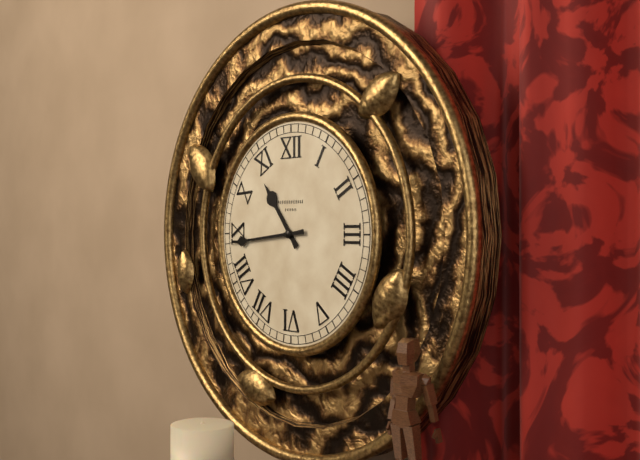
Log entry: {"hour": 10, "minute": 44}
